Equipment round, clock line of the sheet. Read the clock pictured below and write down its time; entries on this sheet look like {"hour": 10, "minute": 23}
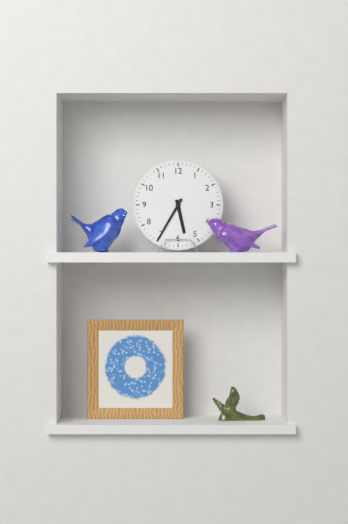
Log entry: {"hour": 5, "minute": 35}
